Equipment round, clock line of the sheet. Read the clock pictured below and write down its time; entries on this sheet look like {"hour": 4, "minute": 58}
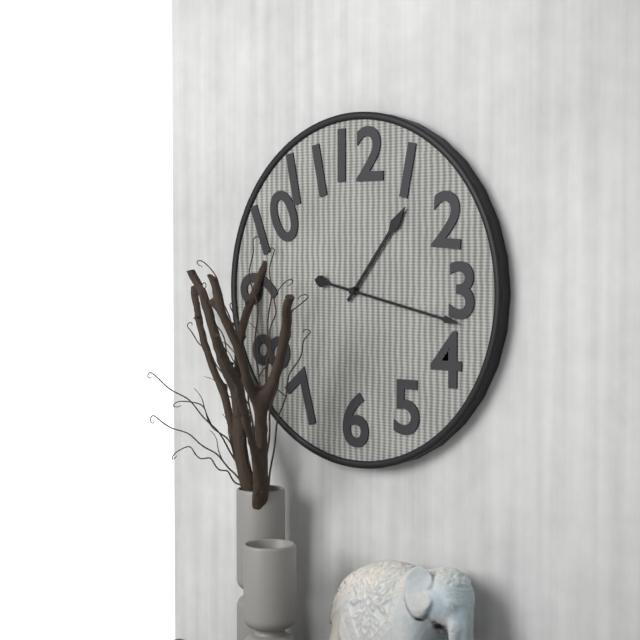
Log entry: {"hour": 1, "minute": 17}
